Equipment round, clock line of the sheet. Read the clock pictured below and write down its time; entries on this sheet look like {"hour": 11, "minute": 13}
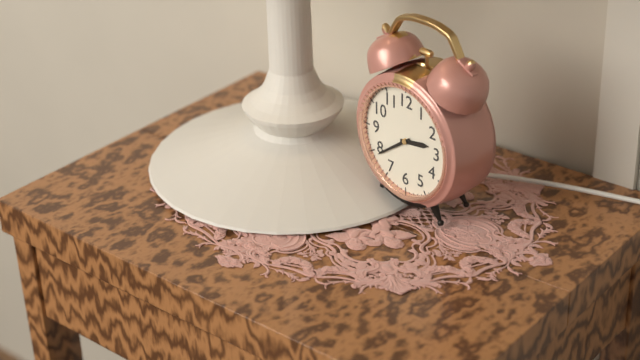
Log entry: {"hour": 2, "minute": 39}
